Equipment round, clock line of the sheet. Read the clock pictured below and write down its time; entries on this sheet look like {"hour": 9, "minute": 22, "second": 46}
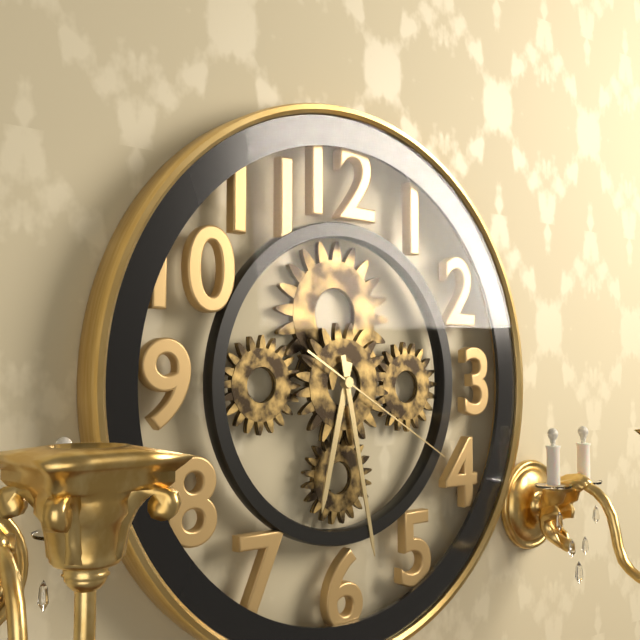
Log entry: {"hour": 6, "minute": 28, "second": 20}
